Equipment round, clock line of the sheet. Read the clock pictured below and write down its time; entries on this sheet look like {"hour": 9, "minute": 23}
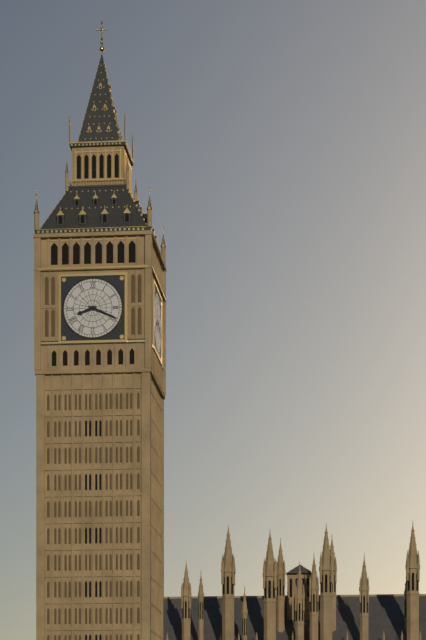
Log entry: {"hour": 8, "minute": 19}
